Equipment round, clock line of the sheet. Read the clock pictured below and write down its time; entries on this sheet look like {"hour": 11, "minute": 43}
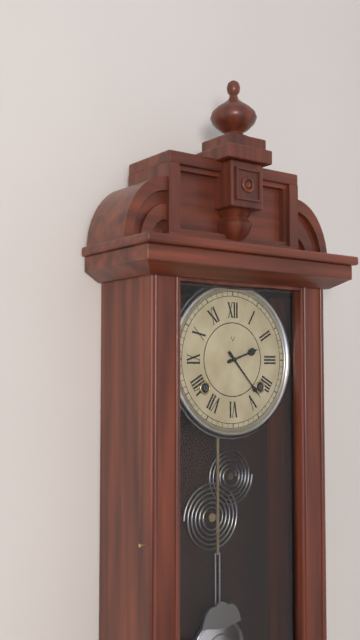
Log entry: {"hour": 2, "minute": 23}
